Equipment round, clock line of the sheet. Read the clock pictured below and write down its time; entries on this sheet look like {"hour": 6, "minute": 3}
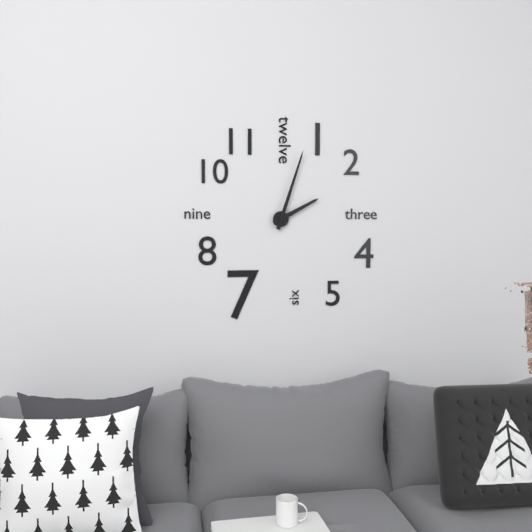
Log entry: {"hour": 2, "minute": 3}
